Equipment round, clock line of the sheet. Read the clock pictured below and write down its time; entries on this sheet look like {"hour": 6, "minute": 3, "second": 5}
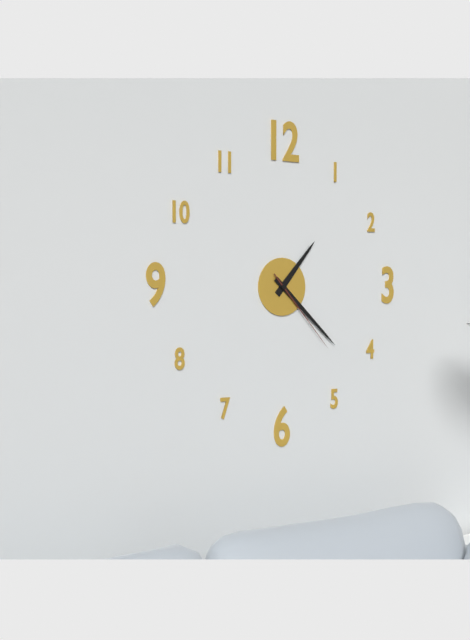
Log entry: {"hour": 1, "minute": 22, "second": 23}
